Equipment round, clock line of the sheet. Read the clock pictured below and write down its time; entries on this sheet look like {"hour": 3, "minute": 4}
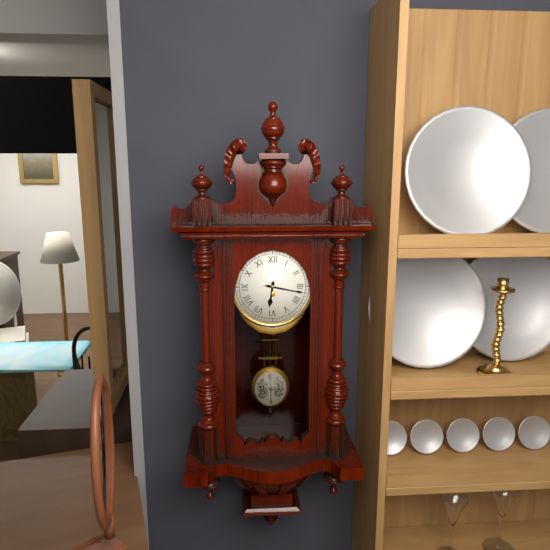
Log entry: {"hour": 6, "minute": 17}
